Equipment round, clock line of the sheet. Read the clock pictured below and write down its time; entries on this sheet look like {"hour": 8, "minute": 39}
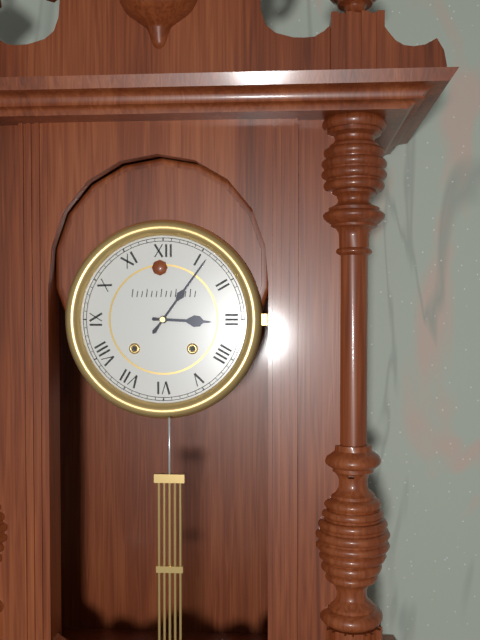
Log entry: {"hour": 3, "minute": 6}
